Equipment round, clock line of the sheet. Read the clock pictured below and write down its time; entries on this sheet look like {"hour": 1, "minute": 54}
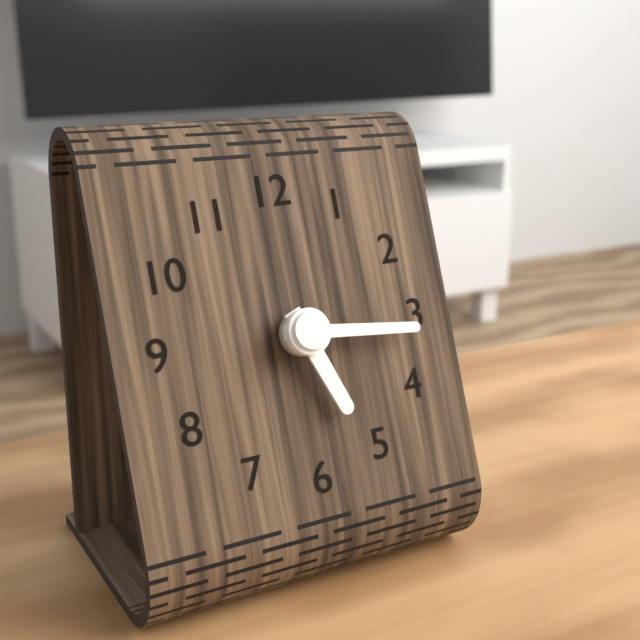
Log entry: {"hour": 5, "minute": 16}
